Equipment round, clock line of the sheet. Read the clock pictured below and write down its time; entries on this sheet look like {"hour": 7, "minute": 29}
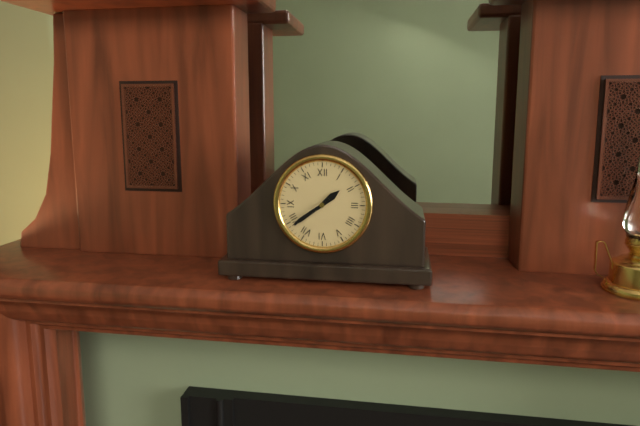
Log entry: {"hour": 1, "minute": 39}
